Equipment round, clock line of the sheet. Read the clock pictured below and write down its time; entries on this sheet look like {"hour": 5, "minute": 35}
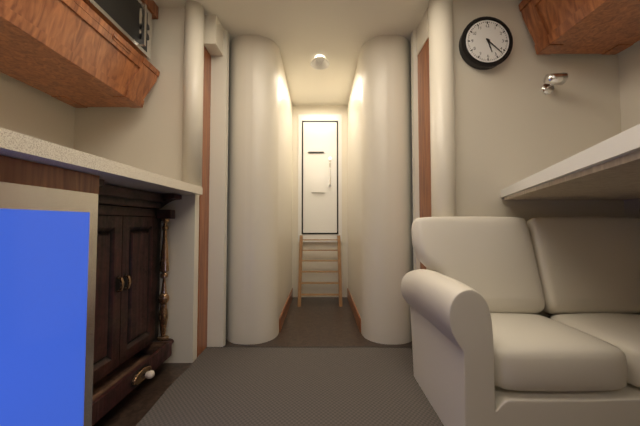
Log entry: {"hour": 5, "minute": 22}
